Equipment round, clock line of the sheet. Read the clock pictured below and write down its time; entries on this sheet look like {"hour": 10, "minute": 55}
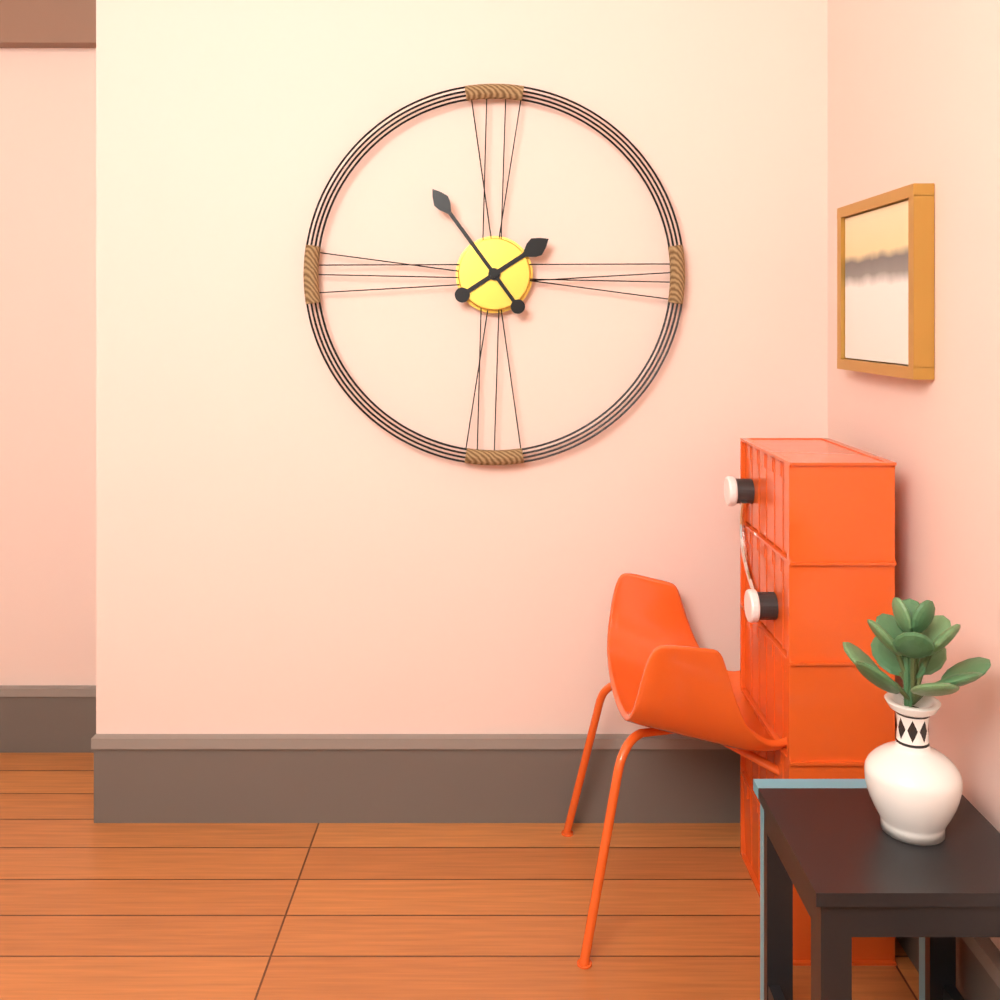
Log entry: {"hour": 1, "minute": 54}
